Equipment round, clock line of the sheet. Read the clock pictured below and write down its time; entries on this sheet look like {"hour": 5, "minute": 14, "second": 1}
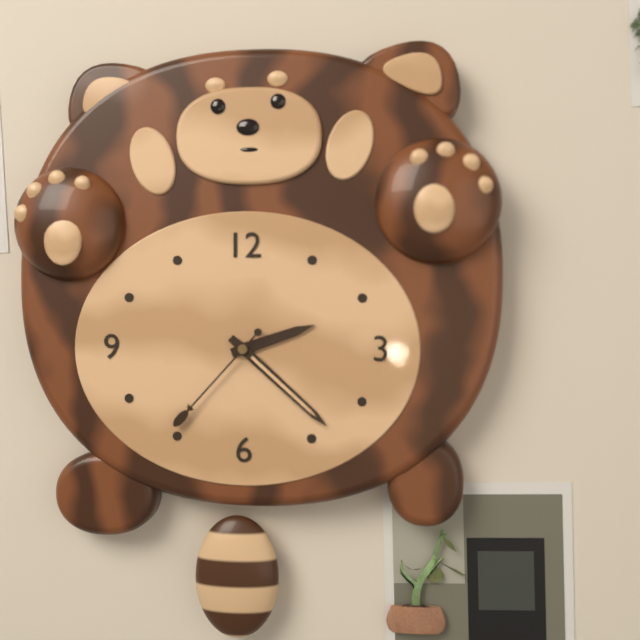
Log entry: {"hour": 2, "minute": 22, "second": 37}
